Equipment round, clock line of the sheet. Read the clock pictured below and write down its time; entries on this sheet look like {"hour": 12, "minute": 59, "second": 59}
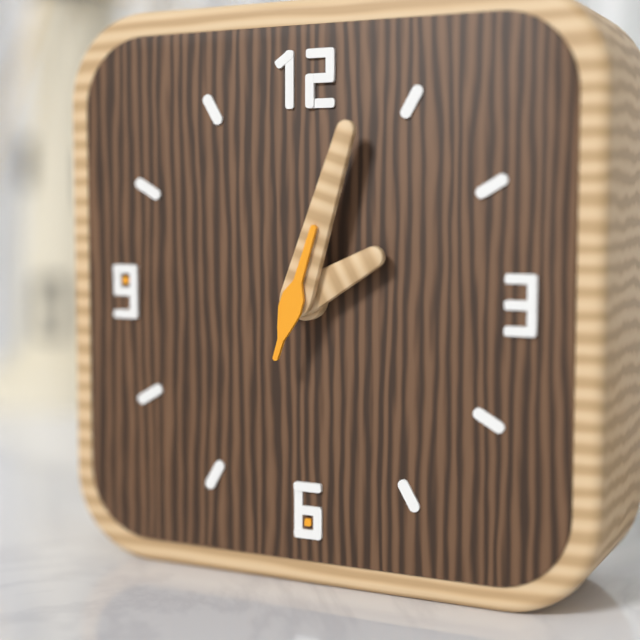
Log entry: {"hour": 2, "minute": 3, "second": 3}
